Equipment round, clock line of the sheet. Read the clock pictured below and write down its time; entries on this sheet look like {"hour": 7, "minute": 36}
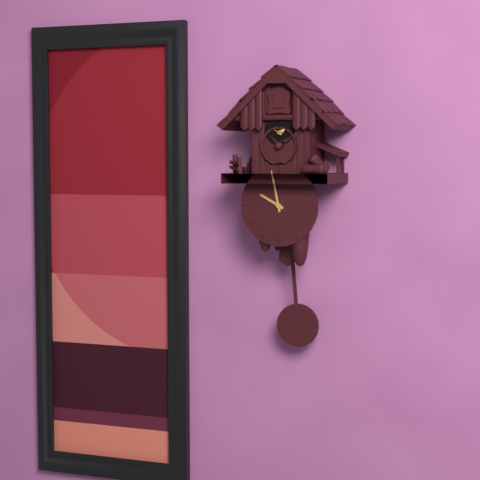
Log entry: {"hour": 9, "minute": 58}
